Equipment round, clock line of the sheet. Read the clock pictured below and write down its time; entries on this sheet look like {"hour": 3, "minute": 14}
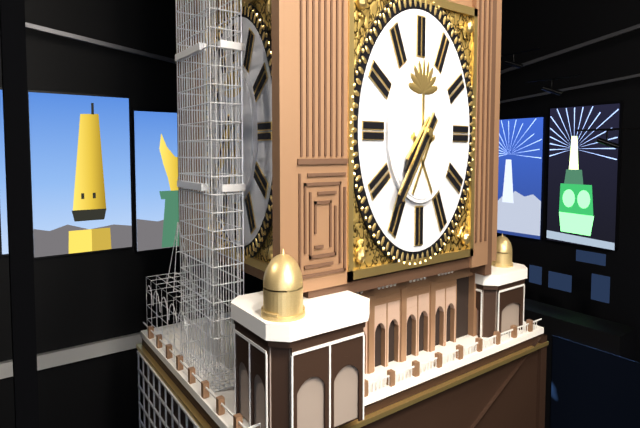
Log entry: {"hour": 7, "minute": 37}
